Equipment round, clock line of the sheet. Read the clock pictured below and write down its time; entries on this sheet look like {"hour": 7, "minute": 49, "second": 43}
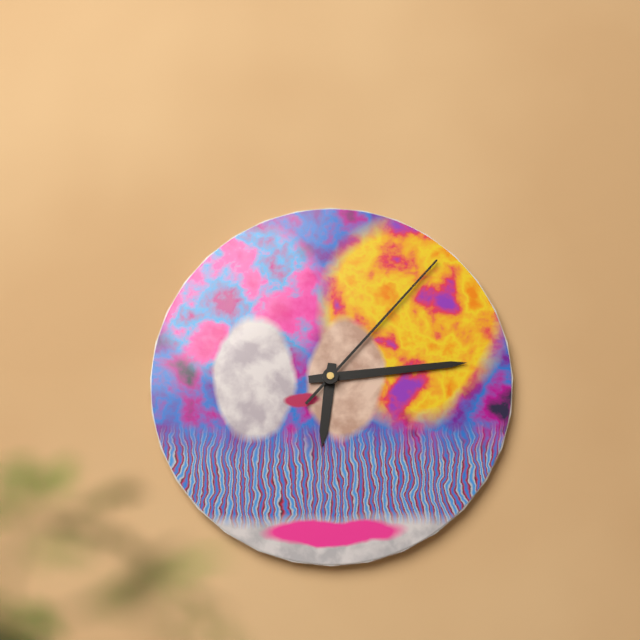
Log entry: {"hour": 6, "minute": 14, "second": 7}
